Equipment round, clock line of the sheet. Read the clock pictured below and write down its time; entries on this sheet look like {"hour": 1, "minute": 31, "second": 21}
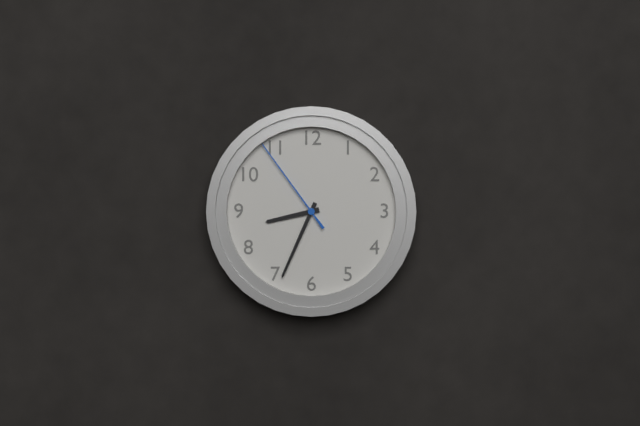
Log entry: {"hour": 8, "minute": 34, "second": 54}
